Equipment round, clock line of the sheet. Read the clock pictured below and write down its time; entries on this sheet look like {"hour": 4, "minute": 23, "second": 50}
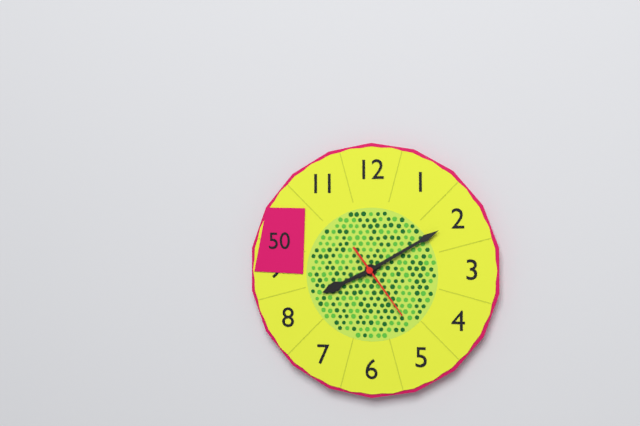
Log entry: {"hour": 8, "minute": 10, "second": 24}
